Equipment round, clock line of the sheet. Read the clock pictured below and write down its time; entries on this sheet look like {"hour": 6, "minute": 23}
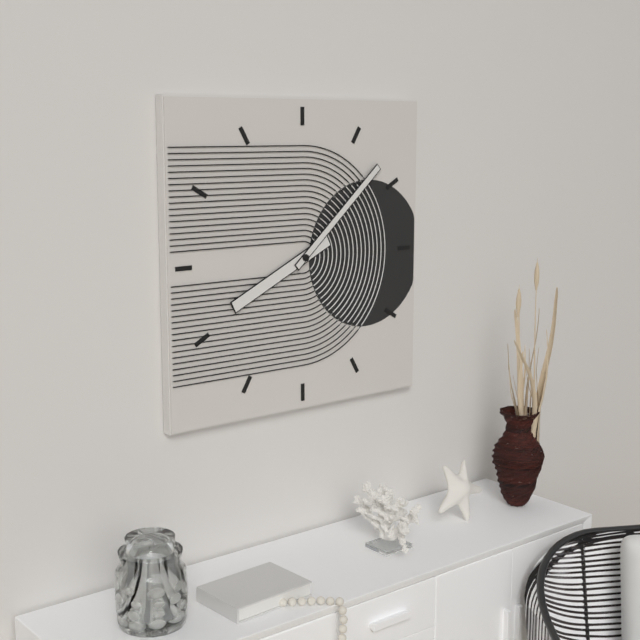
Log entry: {"hour": 8, "minute": 8}
